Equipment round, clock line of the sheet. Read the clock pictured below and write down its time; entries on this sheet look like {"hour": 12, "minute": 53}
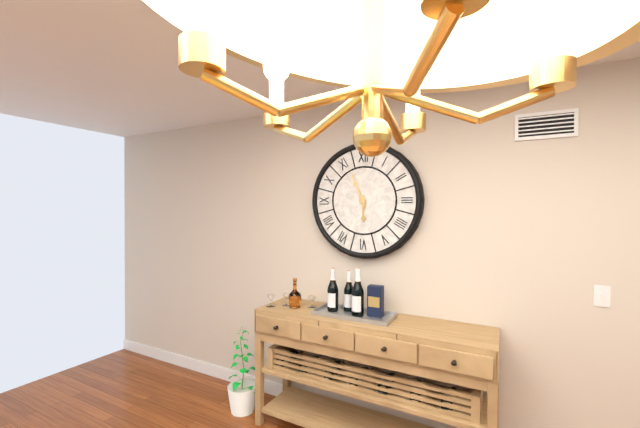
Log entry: {"hour": 5, "minute": 56}
